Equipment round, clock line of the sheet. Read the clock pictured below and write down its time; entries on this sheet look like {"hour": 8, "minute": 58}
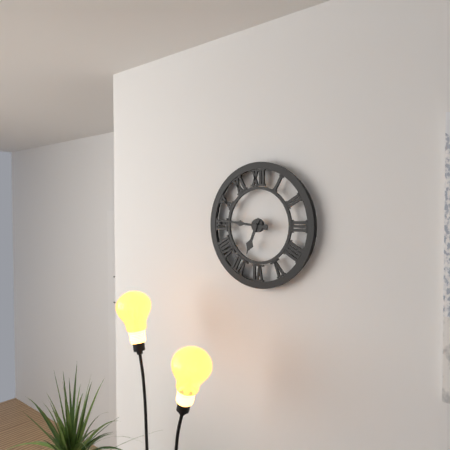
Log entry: {"hour": 6, "minute": 46}
